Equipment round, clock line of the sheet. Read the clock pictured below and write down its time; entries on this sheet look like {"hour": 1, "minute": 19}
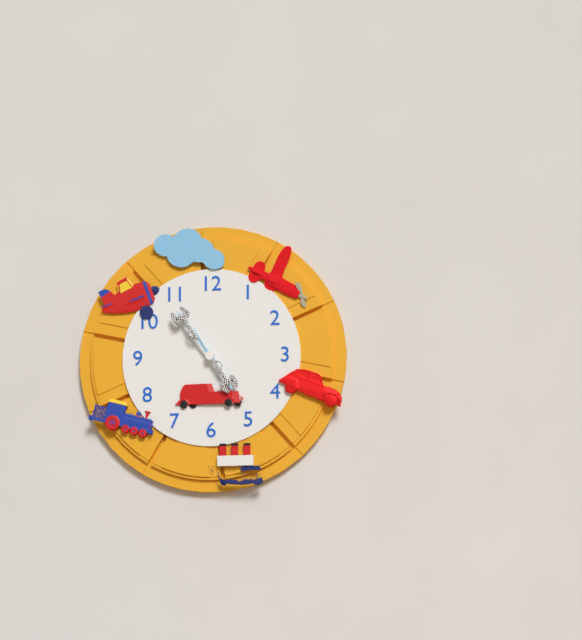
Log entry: {"hour": 4, "minute": 54}
